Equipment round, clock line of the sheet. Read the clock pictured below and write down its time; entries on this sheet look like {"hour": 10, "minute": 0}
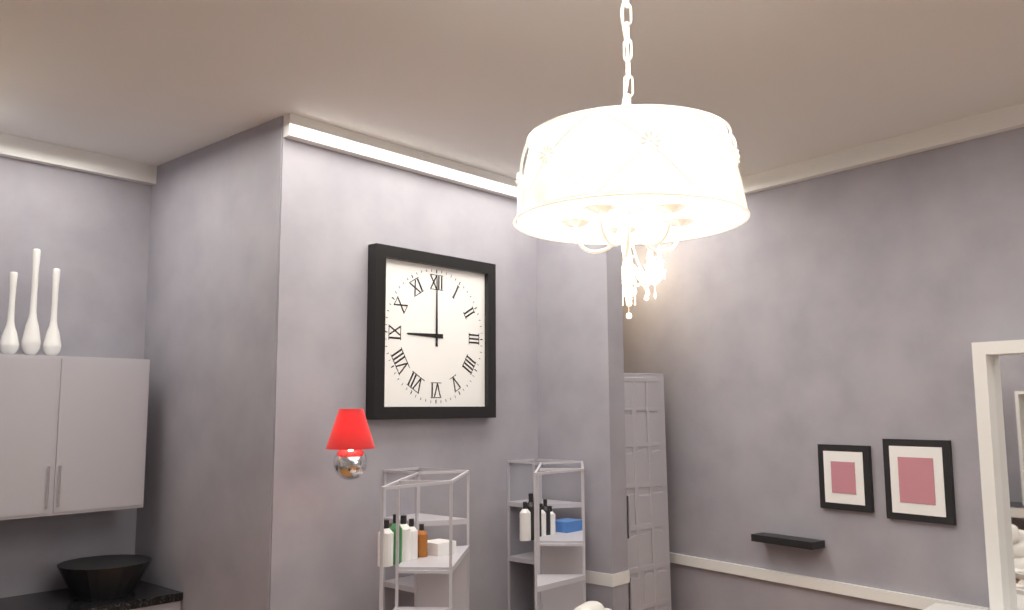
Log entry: {"hour": 9, "minute": 0}
